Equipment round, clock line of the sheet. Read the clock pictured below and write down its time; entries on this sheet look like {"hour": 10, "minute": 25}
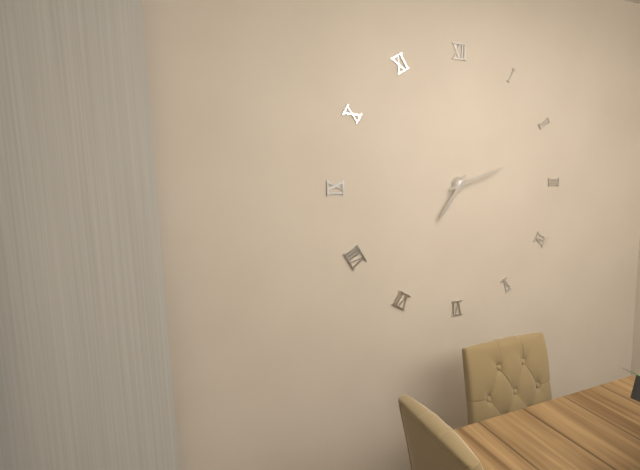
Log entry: {"hour": 7, "minute": 12}
